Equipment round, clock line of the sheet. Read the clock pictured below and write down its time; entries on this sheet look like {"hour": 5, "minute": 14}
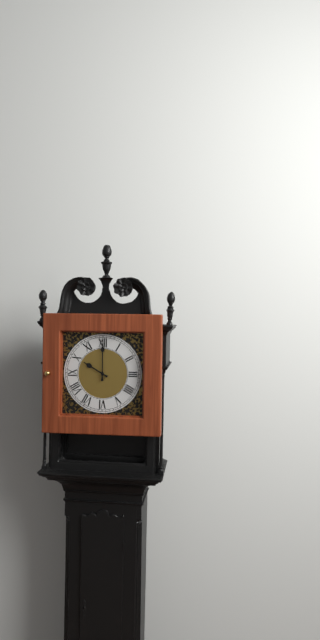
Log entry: {"hour": 10, "minute": 0}
